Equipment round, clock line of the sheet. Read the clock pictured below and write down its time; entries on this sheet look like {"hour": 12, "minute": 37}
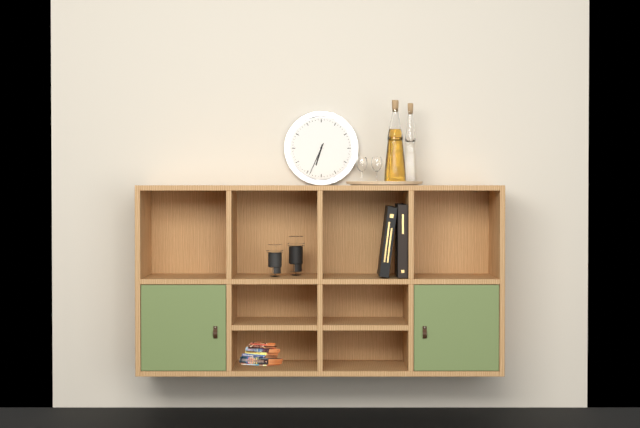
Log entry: {"hour": 6, "minute": 34}
